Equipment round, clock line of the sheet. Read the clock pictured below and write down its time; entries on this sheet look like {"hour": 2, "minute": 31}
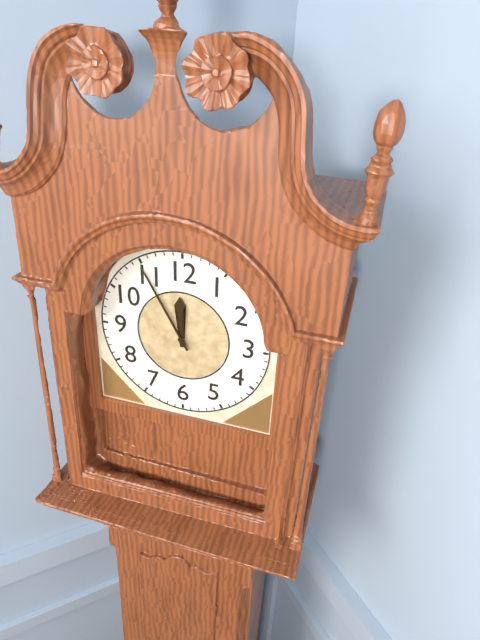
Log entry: {"hour": 11, "minute": 55}
